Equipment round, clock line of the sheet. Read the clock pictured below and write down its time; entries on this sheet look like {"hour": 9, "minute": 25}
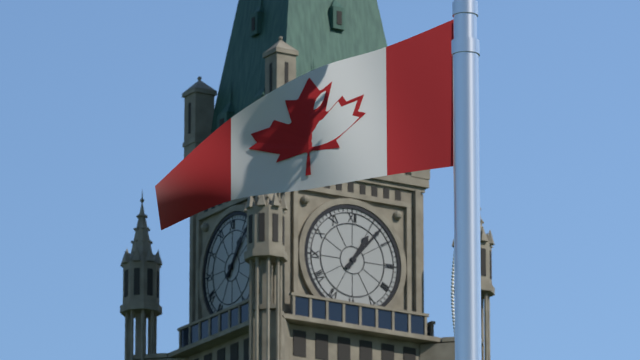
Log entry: {"hour": 1, "minute": 7}
